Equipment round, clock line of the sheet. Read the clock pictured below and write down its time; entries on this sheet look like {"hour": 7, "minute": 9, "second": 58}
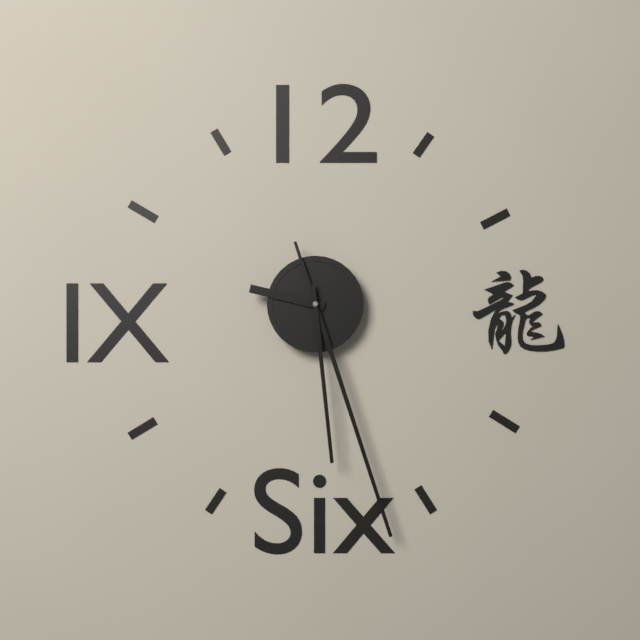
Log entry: {"hour": 9, "minute": 27, "second": 29}
